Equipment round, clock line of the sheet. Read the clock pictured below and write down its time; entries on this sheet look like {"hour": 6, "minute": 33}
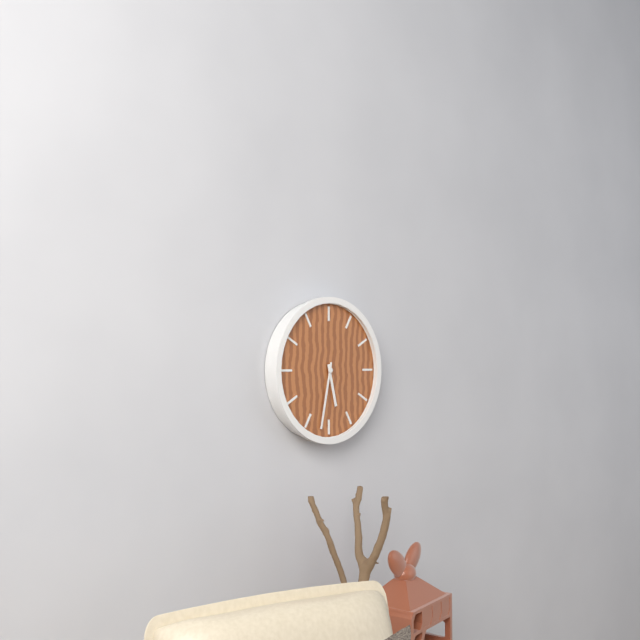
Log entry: {"hour": 5, "minute": 32}
